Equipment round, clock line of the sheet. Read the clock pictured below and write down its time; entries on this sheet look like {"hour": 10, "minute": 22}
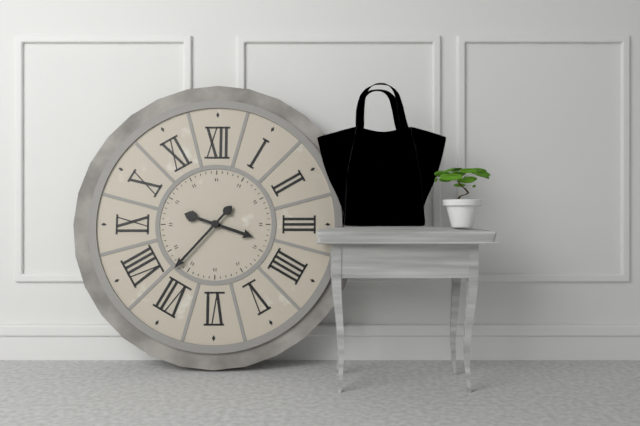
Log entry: {"hour": 3, "minute": 37}
